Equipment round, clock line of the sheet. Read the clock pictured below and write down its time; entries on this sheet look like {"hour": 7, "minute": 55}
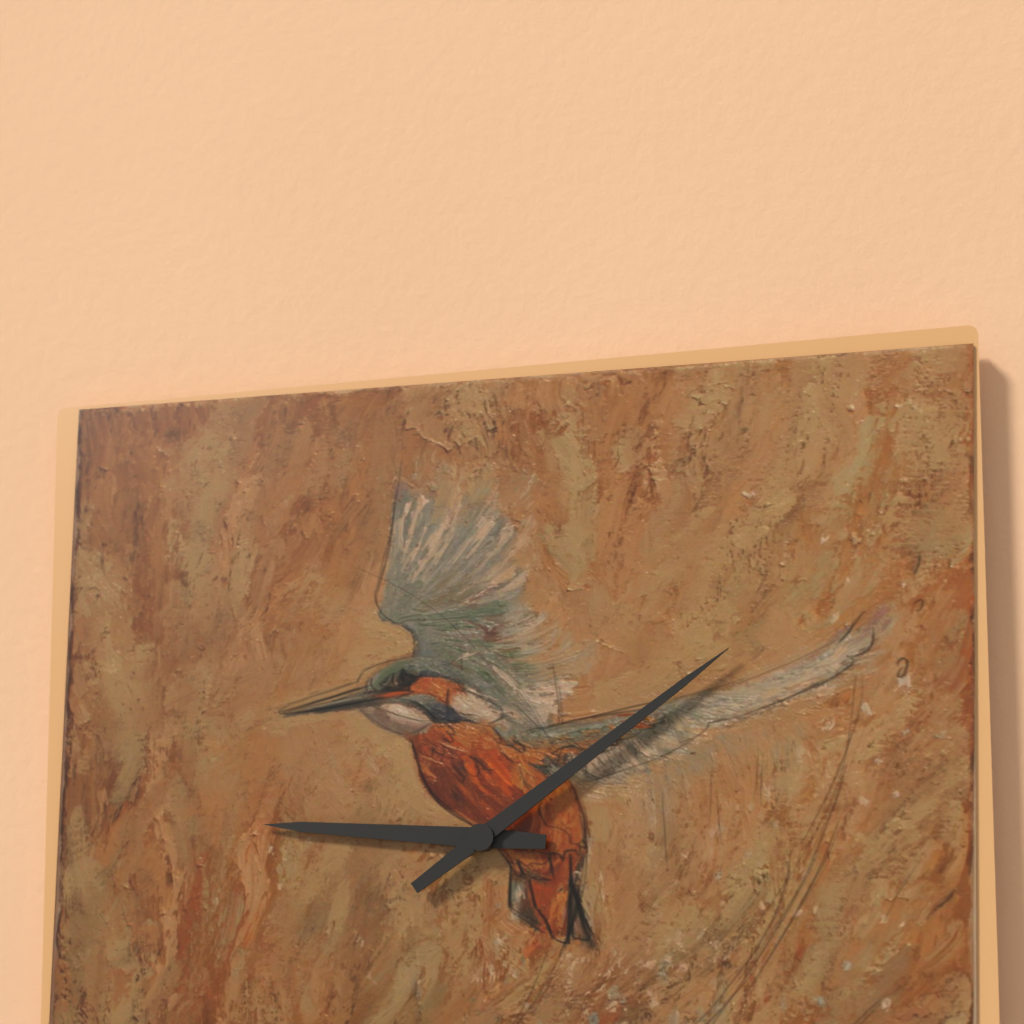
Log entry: {"hour": 9, "minute": 9}
